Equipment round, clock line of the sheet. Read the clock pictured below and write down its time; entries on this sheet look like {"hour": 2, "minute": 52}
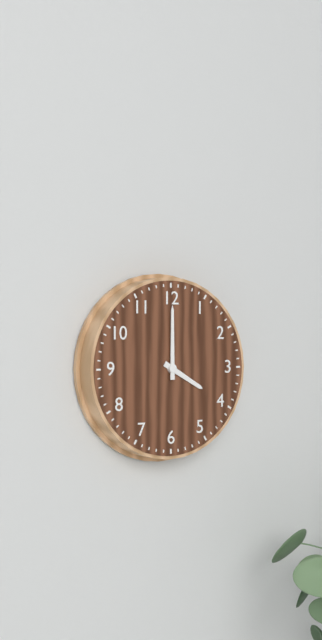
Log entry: {"hour": 4, "minute": 0}
